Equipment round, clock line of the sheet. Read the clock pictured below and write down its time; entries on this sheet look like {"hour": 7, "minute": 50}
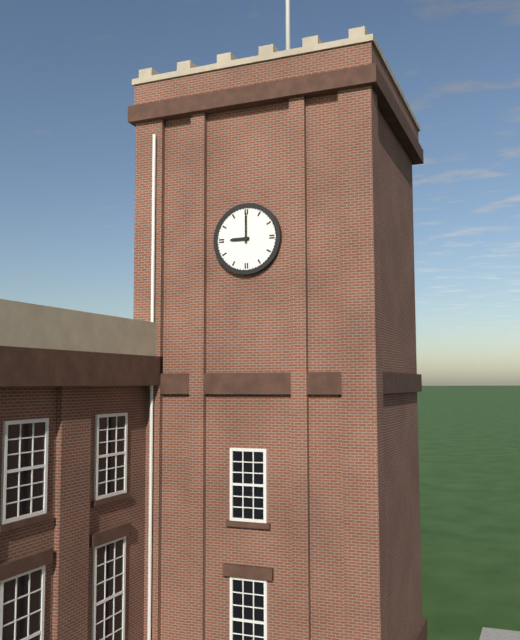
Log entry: {"hour": 9, "minute": 0}
